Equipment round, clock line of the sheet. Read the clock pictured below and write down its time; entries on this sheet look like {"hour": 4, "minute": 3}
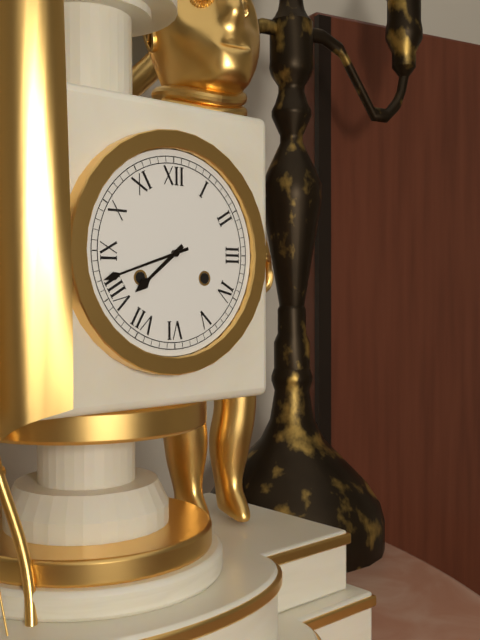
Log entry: {"hour": 7, "minute": 42}
